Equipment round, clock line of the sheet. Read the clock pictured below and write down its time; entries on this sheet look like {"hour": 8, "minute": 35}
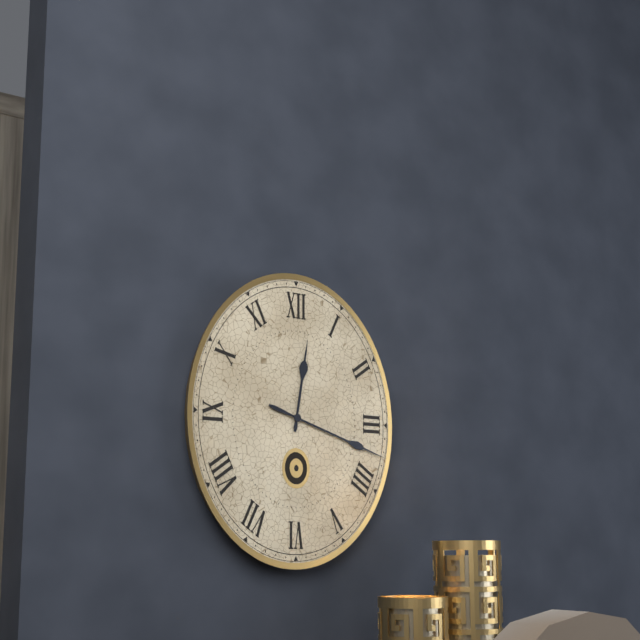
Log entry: {"hour": 12, "minute": 18}
